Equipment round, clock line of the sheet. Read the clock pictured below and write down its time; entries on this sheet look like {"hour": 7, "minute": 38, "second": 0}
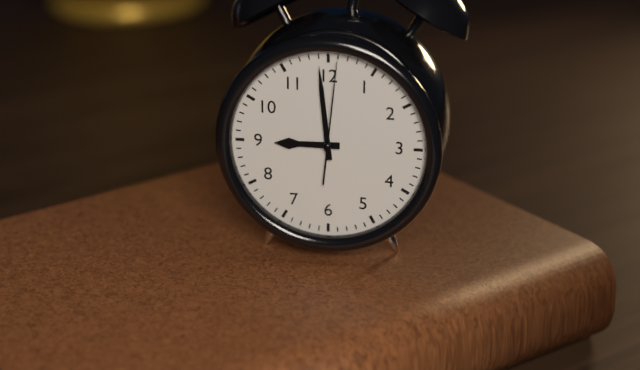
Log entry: {"hour": 8, "minute": 59, "second": 1}
